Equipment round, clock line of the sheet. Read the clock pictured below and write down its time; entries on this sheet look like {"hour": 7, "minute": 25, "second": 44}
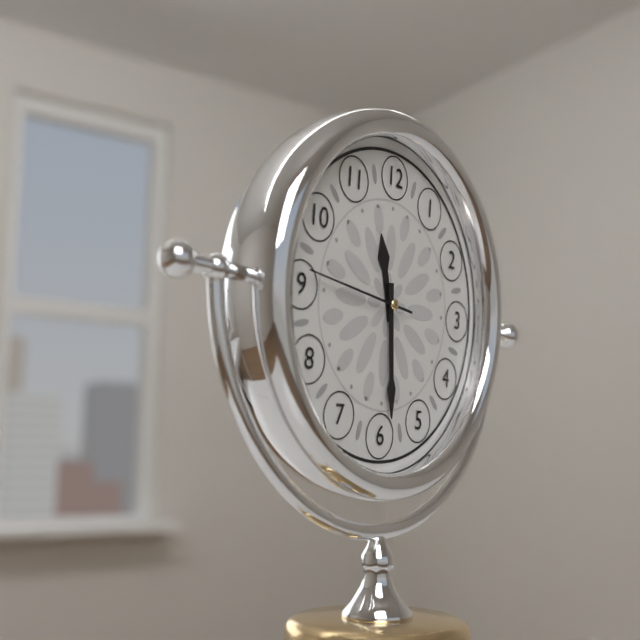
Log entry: {"hour": 11, "minute": 29, "second": 46}
